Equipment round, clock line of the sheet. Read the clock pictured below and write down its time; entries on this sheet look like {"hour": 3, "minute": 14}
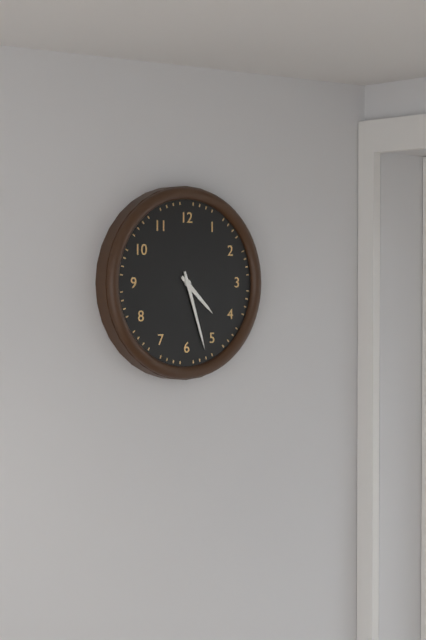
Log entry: {"hour": 4, "minute": 27}
